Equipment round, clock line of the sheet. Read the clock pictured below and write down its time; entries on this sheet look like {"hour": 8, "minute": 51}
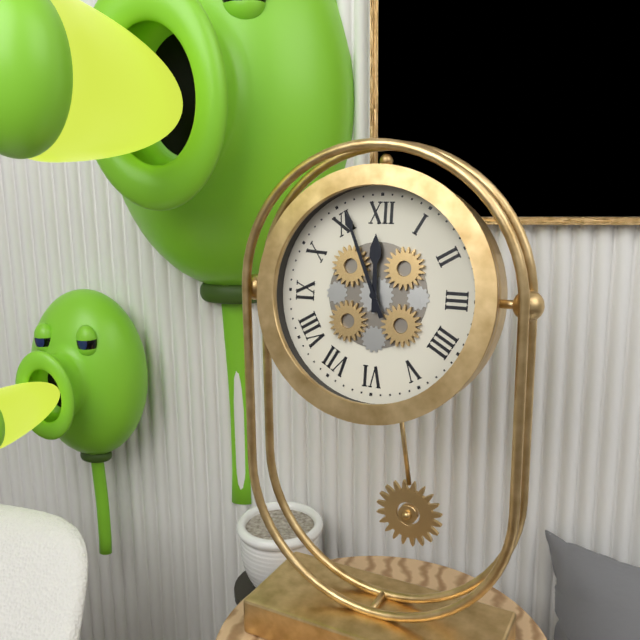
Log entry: {"hour": 11, "minute": 56}
